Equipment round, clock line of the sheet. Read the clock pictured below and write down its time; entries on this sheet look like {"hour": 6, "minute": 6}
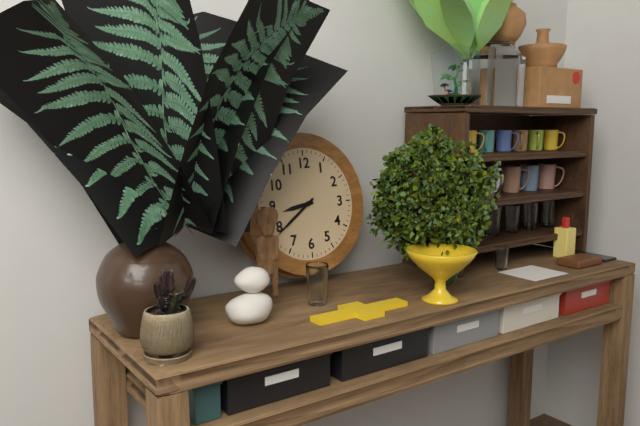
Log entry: {"hour": 8, "minute": 39}
